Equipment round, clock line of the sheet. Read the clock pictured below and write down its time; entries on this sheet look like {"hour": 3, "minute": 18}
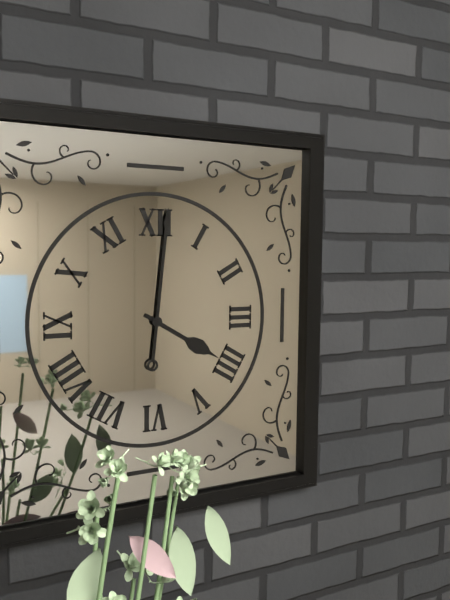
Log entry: {"hour": 4, "minute": 1}
